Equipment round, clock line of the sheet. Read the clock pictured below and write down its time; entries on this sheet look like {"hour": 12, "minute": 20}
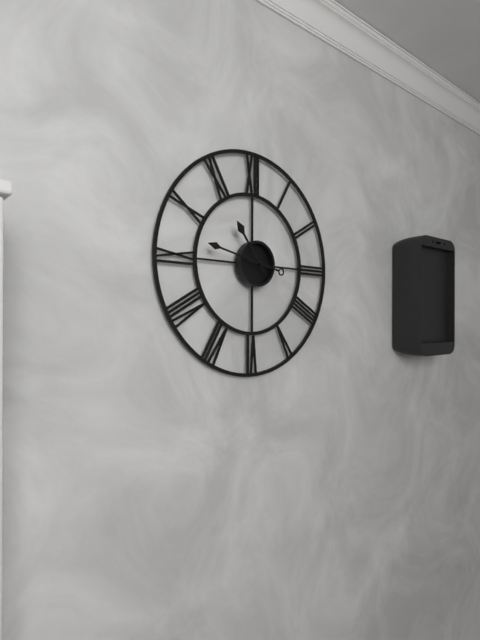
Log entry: {"hour": 10, "minute": 47}
